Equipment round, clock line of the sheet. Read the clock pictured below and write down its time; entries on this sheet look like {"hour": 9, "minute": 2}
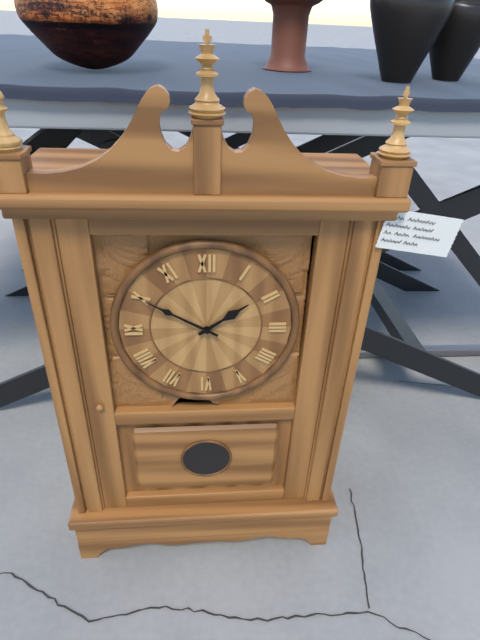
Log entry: {"hour": 1, "minute": 50}
